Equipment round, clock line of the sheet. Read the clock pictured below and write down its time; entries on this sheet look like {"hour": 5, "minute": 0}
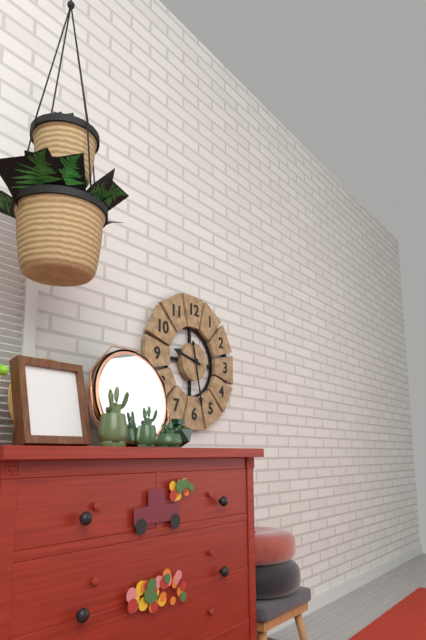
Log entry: {"hour": 9, "minute": 28}
